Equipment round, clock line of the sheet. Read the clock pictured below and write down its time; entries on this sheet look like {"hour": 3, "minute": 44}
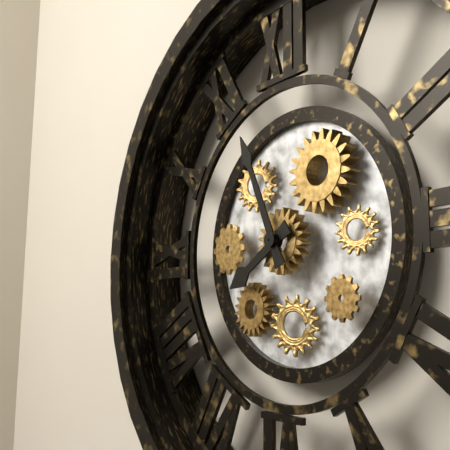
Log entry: {"hour": 7, "minute": 56}
